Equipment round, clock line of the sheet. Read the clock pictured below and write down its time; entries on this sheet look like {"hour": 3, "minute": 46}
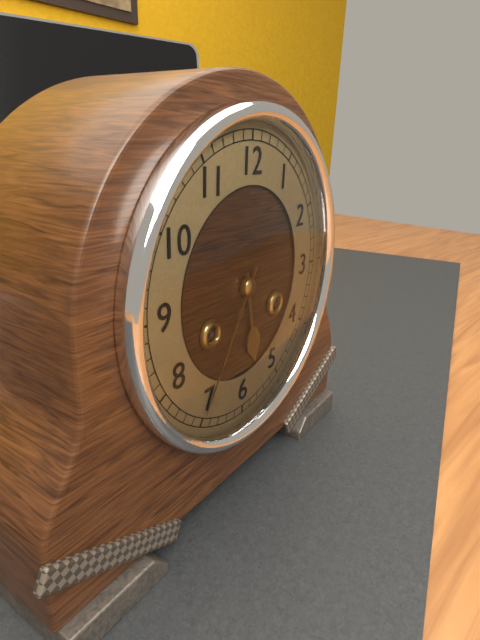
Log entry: {"hour": 5, "minute": 35}
